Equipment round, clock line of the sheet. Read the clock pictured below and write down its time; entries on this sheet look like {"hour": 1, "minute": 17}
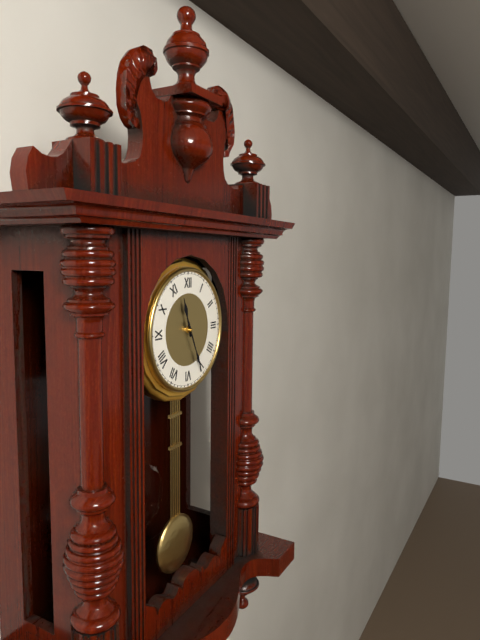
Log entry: {"hour": 11, "minute": 26}
